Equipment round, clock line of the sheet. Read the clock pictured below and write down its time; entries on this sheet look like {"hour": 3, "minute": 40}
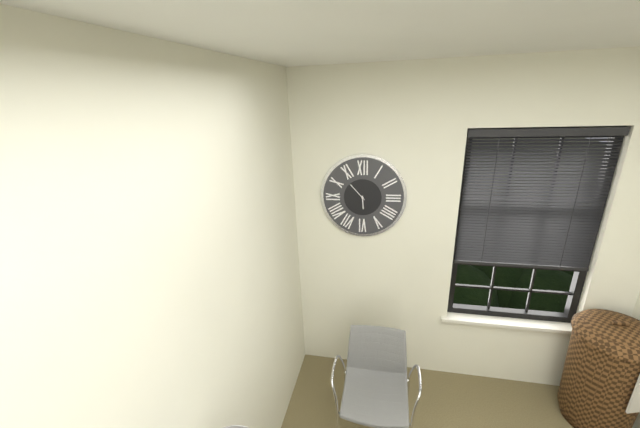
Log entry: {"hour": 5, "minute": 53}
